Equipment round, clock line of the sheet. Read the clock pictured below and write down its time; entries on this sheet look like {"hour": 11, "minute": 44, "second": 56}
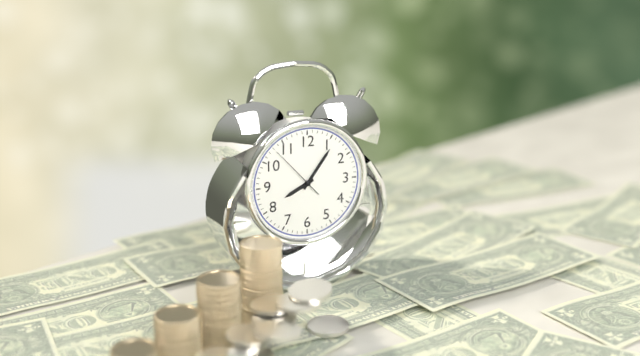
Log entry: {"hour": 8, "minute": 6, "second": 53}
